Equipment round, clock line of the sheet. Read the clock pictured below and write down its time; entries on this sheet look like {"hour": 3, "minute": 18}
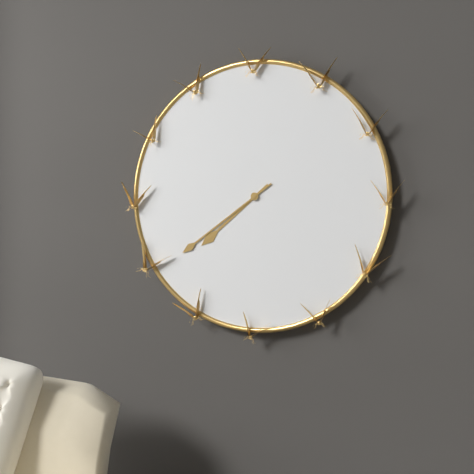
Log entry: {"hour": 7, "minute": 39}
